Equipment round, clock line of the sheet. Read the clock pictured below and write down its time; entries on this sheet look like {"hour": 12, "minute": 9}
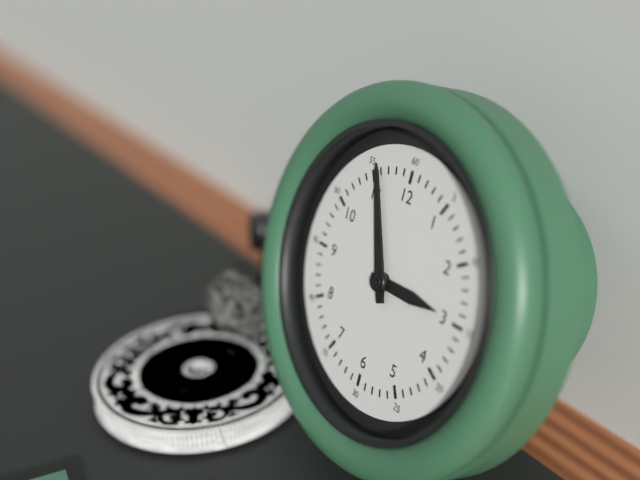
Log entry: {"hour": 2, "minute": 56}
